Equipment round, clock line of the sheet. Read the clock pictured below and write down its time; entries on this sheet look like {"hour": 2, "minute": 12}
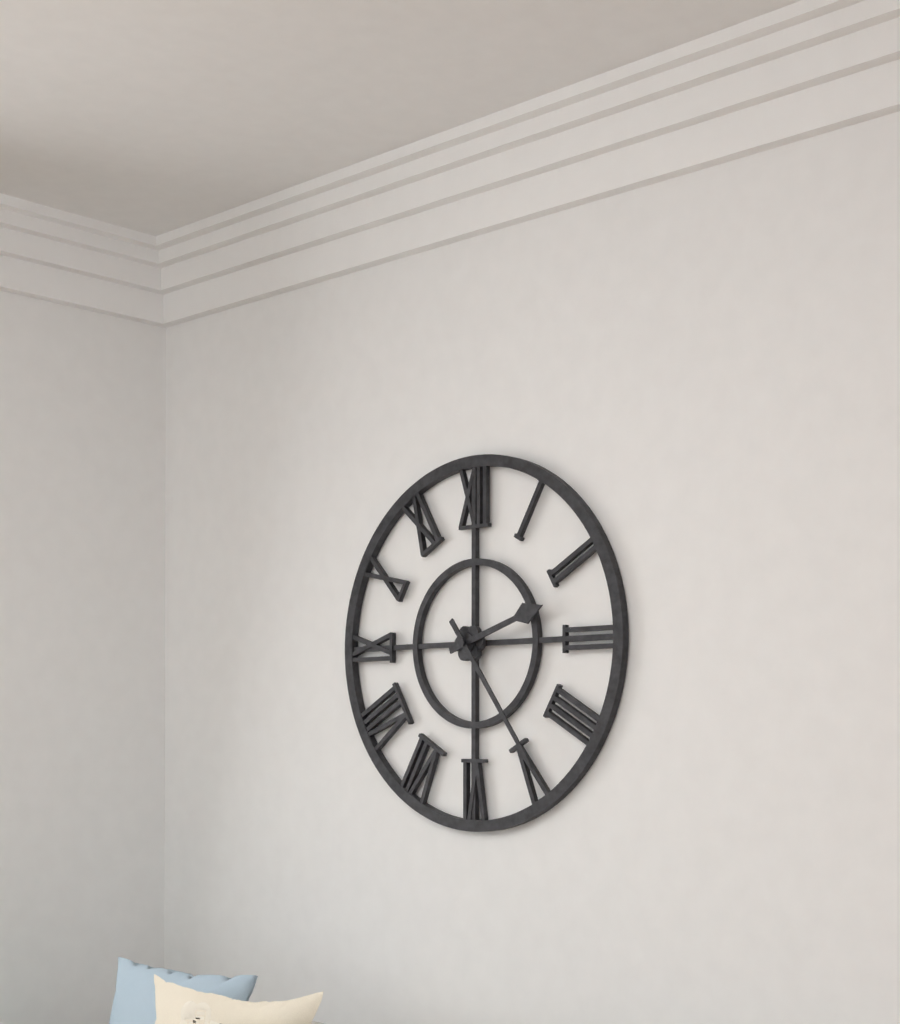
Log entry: {"hour": 2, "minute": 24}
